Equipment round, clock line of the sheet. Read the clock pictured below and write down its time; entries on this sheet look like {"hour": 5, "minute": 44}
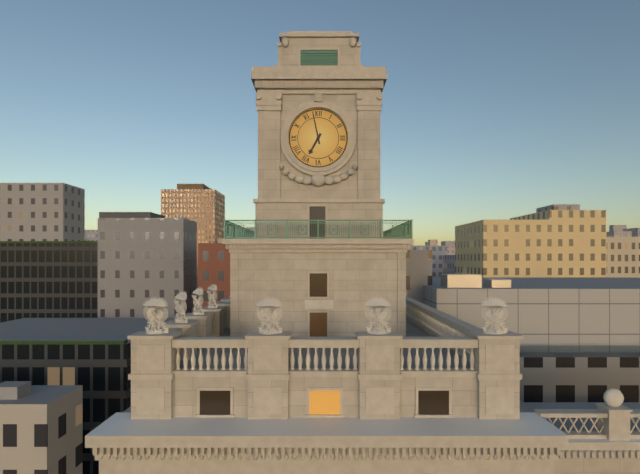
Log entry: {"hour": 6, "minute": 58}
